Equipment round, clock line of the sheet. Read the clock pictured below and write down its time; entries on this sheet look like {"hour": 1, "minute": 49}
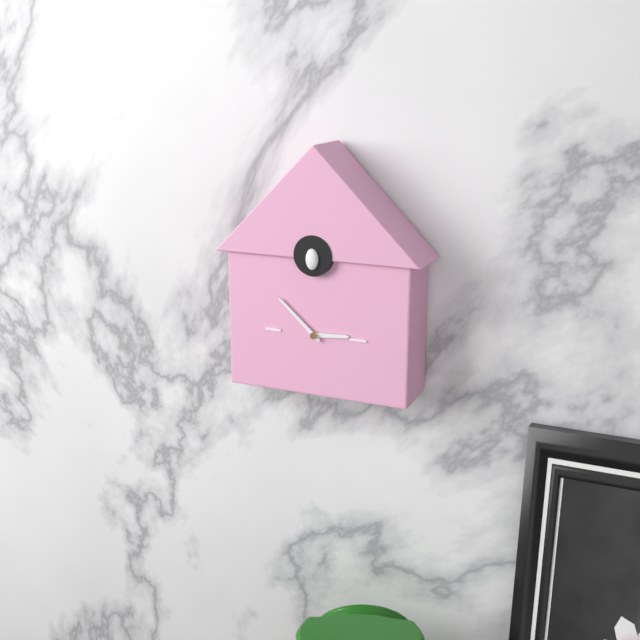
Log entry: {"hour": 2, "minute": 52}
